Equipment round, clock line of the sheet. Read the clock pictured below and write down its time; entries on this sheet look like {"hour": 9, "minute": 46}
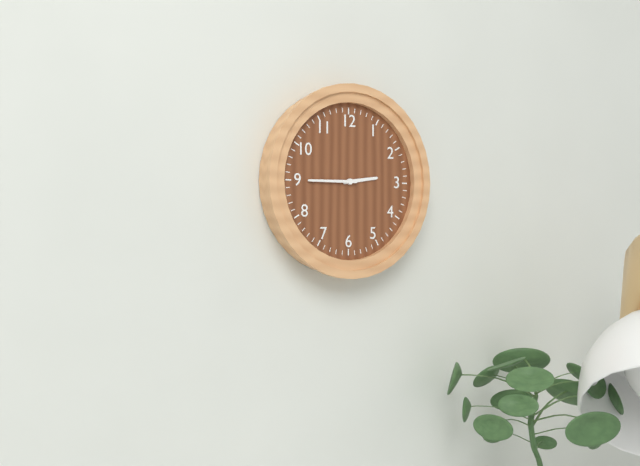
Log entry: {"hour": 2, "minute": 45}
